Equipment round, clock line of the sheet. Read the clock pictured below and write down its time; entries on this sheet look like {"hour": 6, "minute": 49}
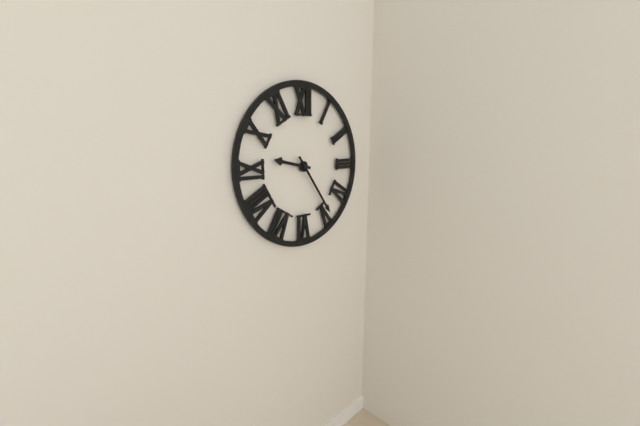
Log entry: {"hour": 9, "minute": 24}
